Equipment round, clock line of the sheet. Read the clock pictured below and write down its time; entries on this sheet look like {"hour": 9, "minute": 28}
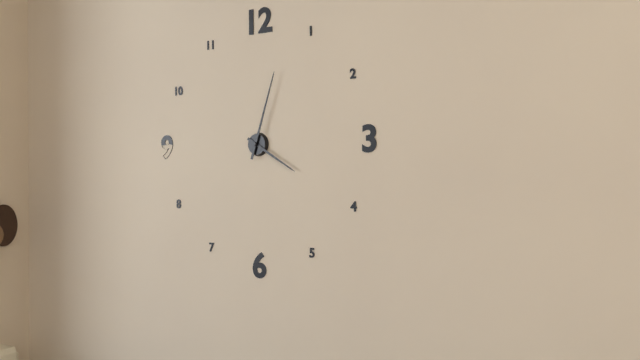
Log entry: {"hour": 4, "minute": 3}
